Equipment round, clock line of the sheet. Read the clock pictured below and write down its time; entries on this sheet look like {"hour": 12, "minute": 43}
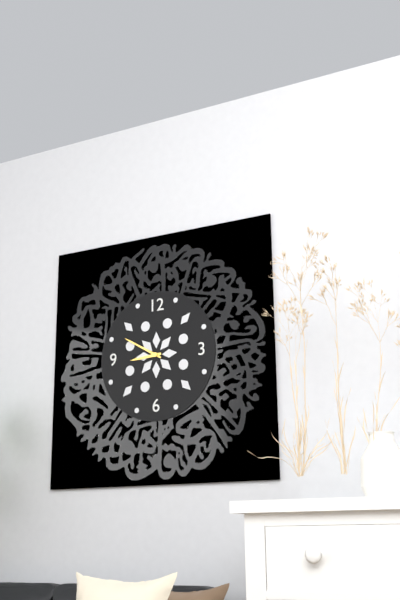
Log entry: {"hour": 8, "minute": 50}
